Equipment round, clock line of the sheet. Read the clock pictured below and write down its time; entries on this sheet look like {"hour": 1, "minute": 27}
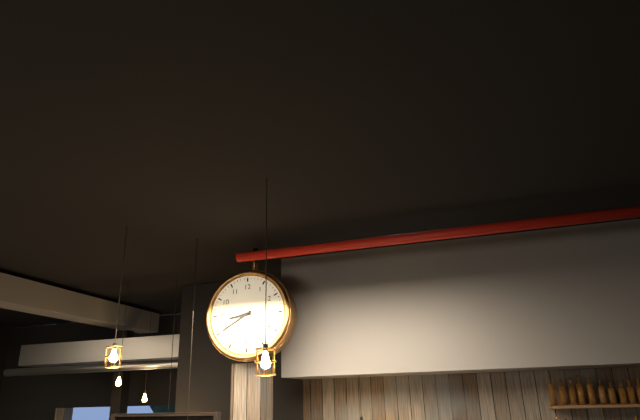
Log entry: {"hour": 8, "minute": 40}
